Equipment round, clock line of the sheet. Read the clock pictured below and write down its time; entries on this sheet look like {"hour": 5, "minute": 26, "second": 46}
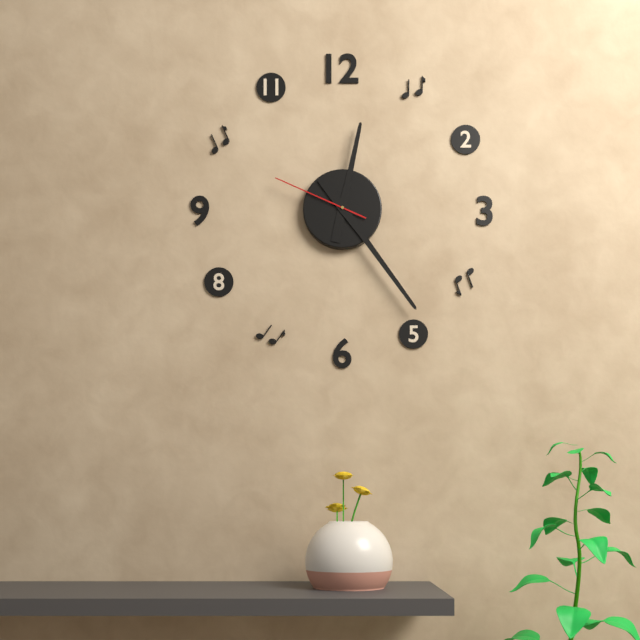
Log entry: {"hour": 12, "minute": 24, "second": 49}
